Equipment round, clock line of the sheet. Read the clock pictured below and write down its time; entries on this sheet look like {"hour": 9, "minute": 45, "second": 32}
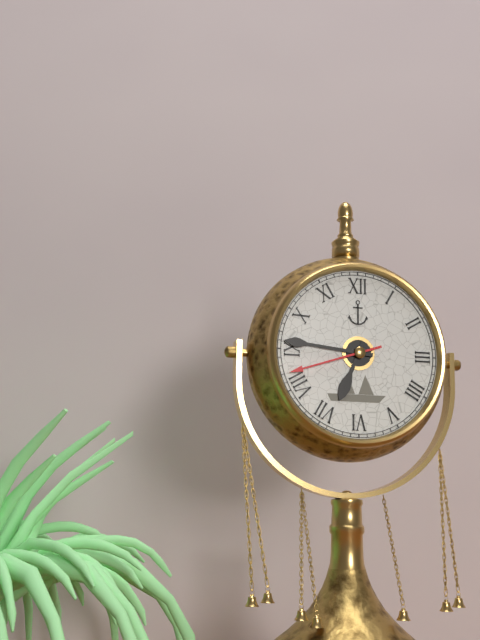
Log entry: {"hour": 6, "minute": 46, "second": 42}
